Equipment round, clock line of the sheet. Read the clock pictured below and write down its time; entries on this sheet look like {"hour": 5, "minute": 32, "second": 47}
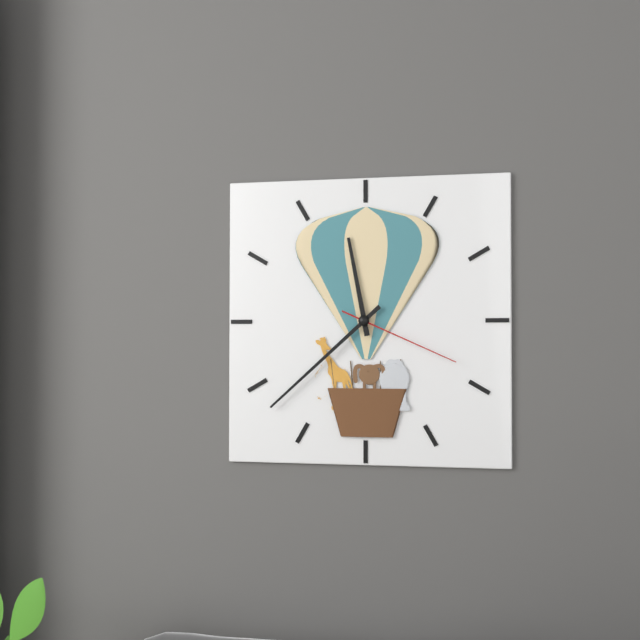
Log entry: {"hour": 11, "minute": 38, "second": 19}
